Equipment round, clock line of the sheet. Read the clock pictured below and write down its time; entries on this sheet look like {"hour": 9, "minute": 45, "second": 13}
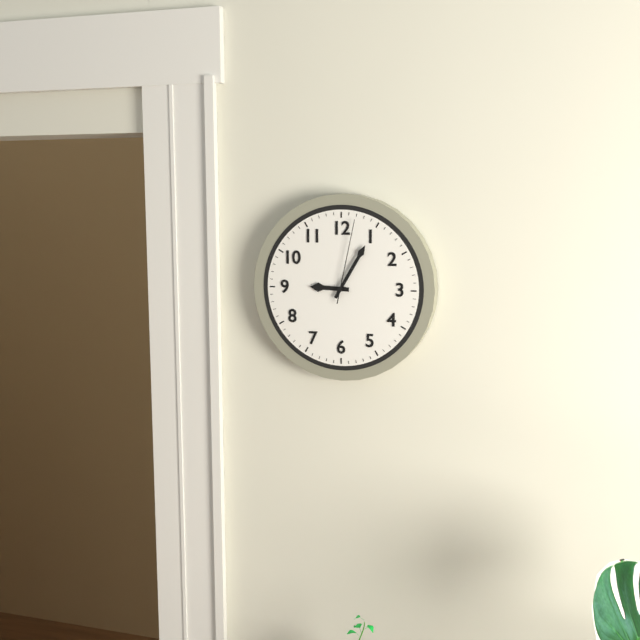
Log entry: {"hour": 9, "minute": 5, "second": 2}
